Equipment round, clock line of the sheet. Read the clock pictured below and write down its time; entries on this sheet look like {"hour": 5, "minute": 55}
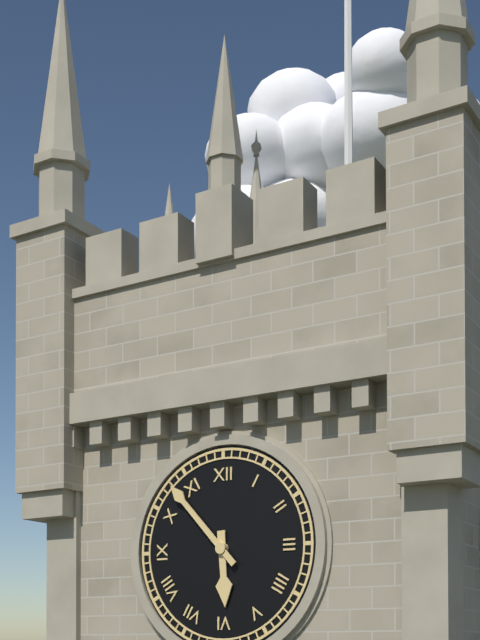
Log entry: {"hour": 5, "minute": 53}
